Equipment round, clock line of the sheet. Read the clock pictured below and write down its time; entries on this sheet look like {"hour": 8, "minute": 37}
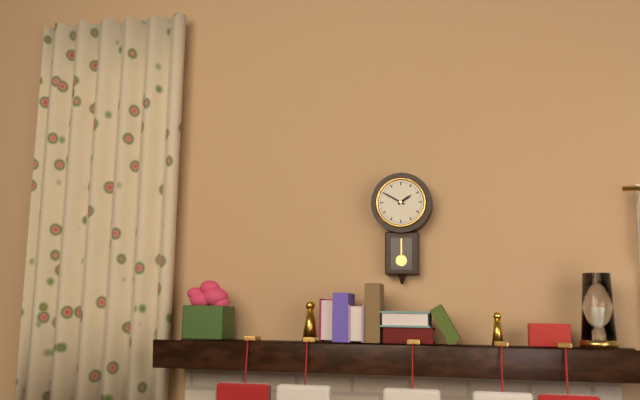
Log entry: {"hour": 1, "minute": 50}
